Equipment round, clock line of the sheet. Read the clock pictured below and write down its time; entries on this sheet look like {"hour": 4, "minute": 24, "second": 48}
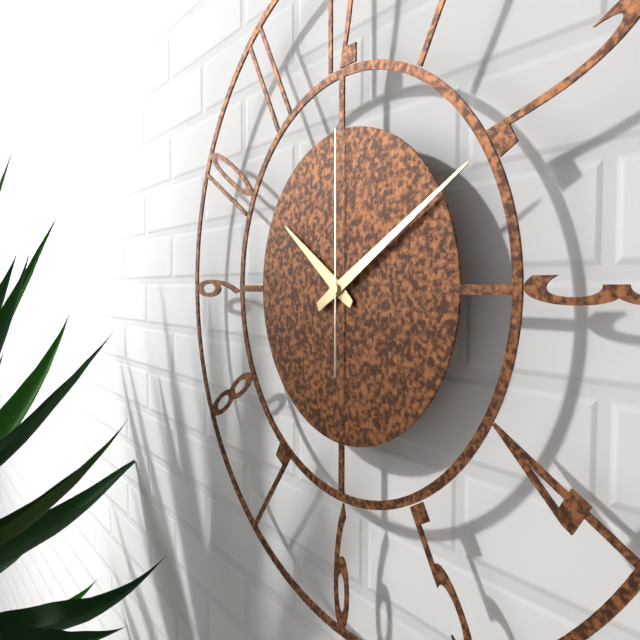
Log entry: {"hour": 10, "minute": 10, "second": 0}
